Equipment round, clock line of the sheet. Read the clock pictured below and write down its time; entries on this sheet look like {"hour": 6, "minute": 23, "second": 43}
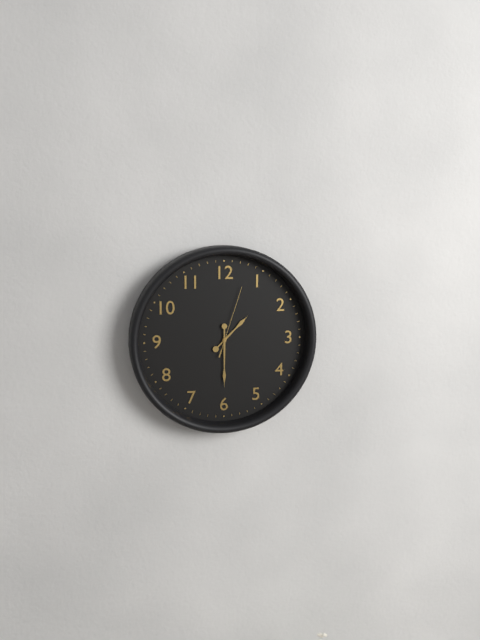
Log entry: {"hour": 1, "minute": 30, "second": 3}
